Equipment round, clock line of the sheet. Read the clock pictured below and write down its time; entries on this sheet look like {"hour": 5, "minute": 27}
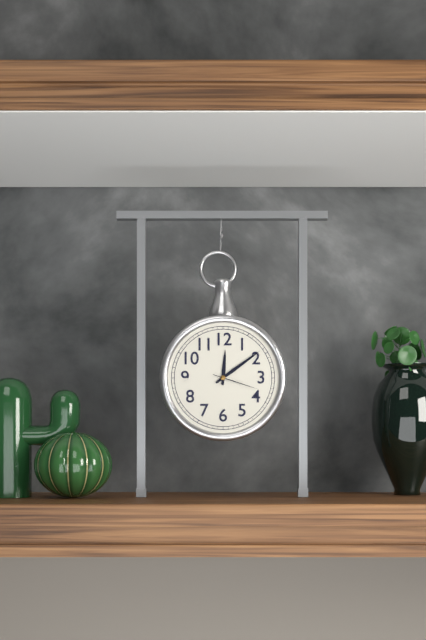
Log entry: {"hour": 12, "minute": 9}
